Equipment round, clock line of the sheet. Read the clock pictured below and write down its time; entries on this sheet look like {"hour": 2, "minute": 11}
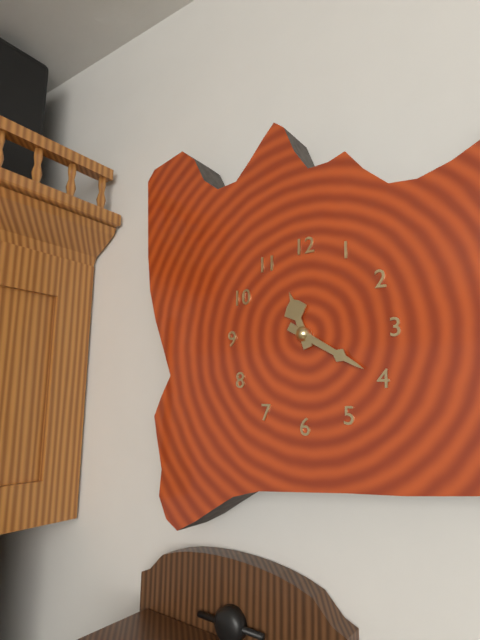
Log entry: {"hour": 11, "minute": 20}
